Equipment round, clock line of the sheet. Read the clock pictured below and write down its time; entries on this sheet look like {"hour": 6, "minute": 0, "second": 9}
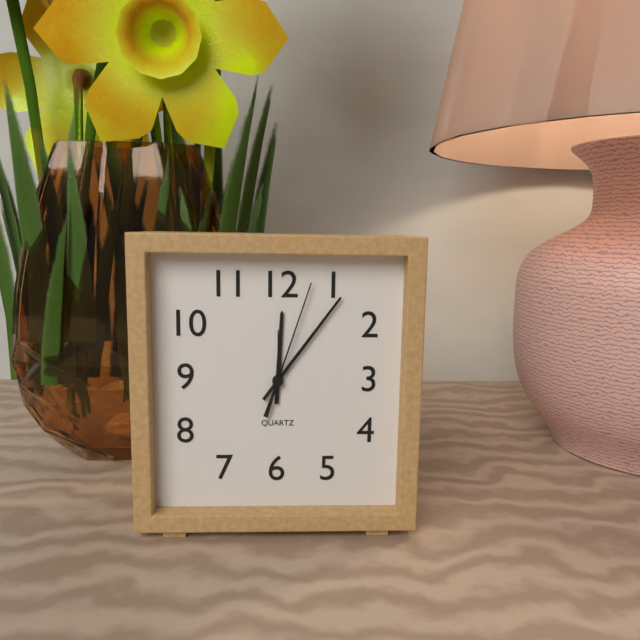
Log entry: {"hour": 12, "minute": 6, "second": 3}
